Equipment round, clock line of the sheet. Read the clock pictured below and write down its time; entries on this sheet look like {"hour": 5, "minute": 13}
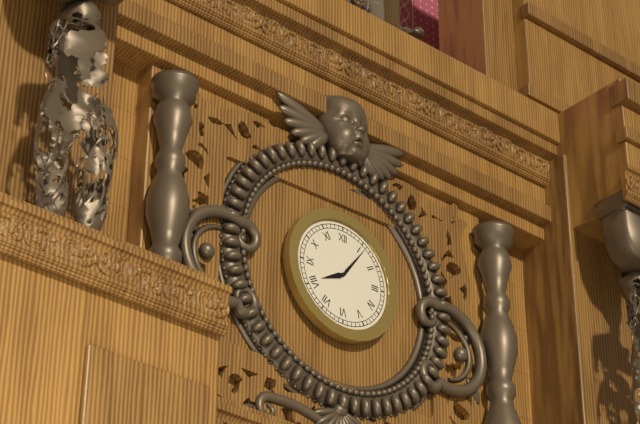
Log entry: {"hour": 8, "minute": 6}
